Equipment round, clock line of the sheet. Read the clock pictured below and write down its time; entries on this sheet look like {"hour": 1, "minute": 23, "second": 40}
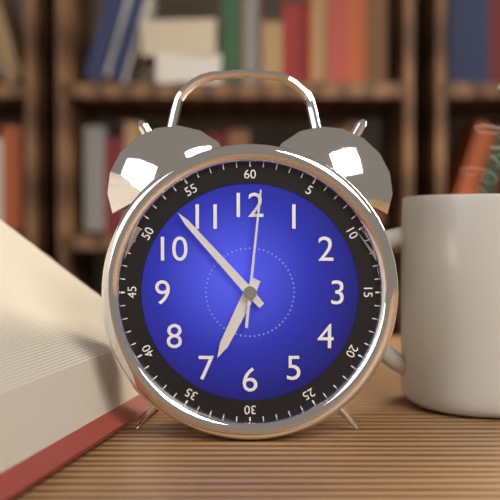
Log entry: {"hour": 6, "minute": 53, "second": 1}
